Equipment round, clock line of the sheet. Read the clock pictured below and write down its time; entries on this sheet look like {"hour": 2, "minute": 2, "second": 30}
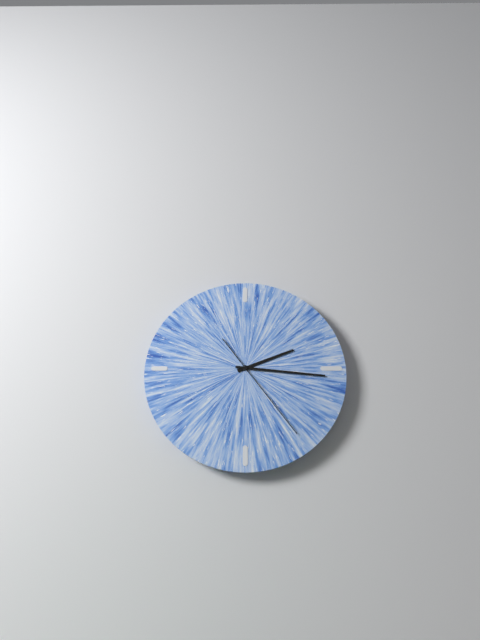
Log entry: {"hour": 2, "minute": 16, "second": 24}
